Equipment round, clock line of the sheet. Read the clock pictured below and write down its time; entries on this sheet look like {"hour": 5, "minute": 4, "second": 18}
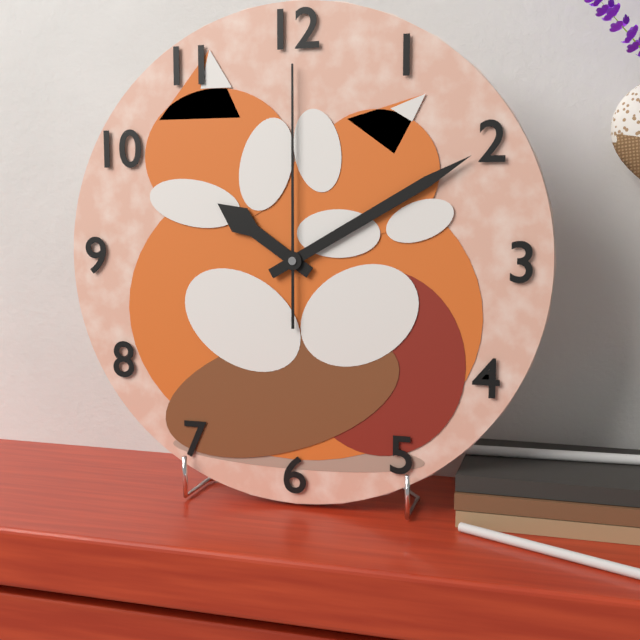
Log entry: {"hour": 10, "minute": 10, "second": 0}
